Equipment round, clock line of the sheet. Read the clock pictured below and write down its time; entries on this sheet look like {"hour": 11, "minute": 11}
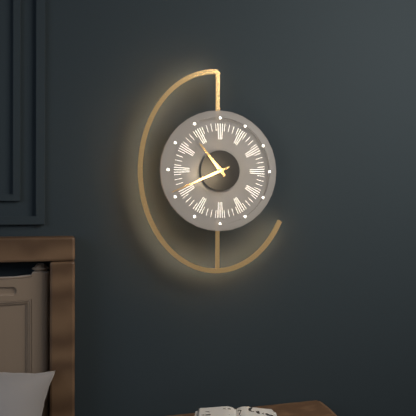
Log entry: {"hour": 10, "minute": 41}
